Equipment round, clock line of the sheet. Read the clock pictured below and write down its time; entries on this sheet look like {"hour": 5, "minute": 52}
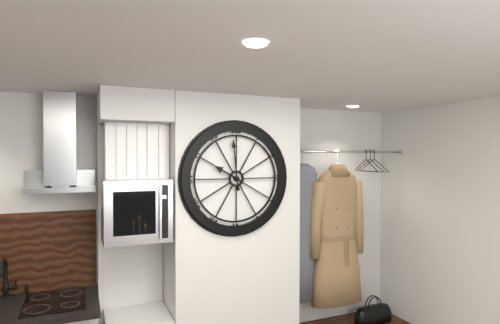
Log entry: {"hour": 9, "minute": 59}
